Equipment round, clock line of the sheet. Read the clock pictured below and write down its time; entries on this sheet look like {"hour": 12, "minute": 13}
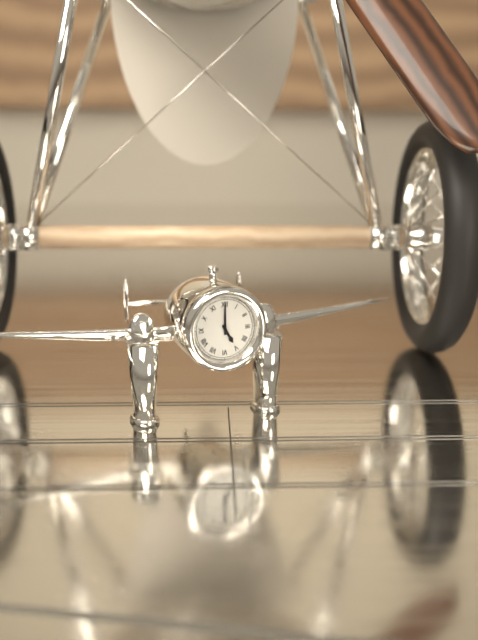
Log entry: {"hour": 5, "minute": 0}
